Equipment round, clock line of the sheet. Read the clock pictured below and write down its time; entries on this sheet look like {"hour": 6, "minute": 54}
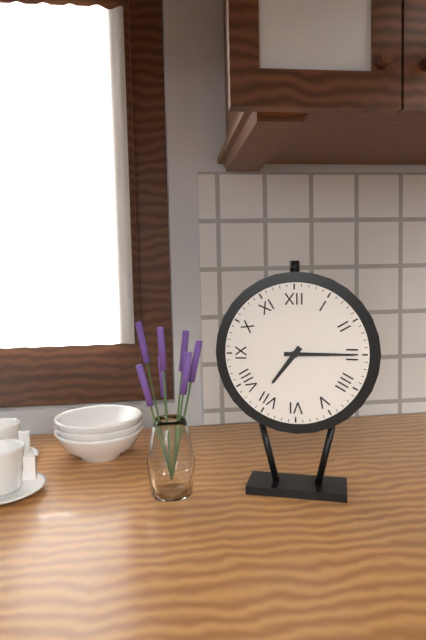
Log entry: {"hour": 7, "minute": 15}
